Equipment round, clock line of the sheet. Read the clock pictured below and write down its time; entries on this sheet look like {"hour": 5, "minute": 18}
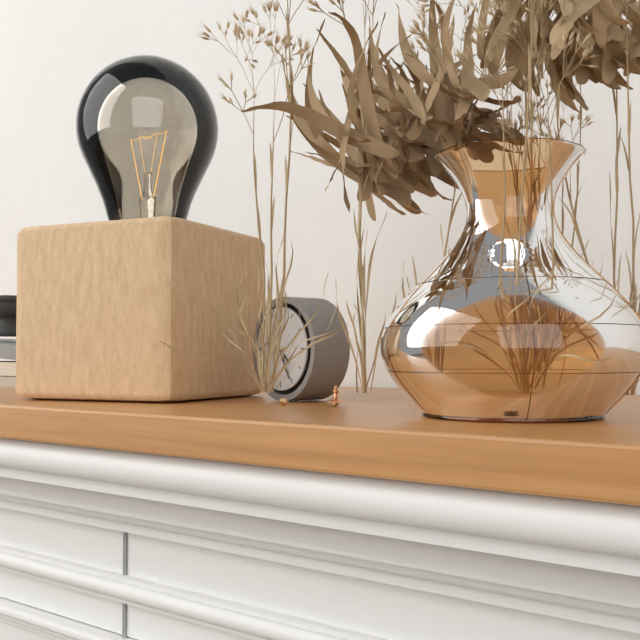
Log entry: {"hour": 4, "minute": 25}
